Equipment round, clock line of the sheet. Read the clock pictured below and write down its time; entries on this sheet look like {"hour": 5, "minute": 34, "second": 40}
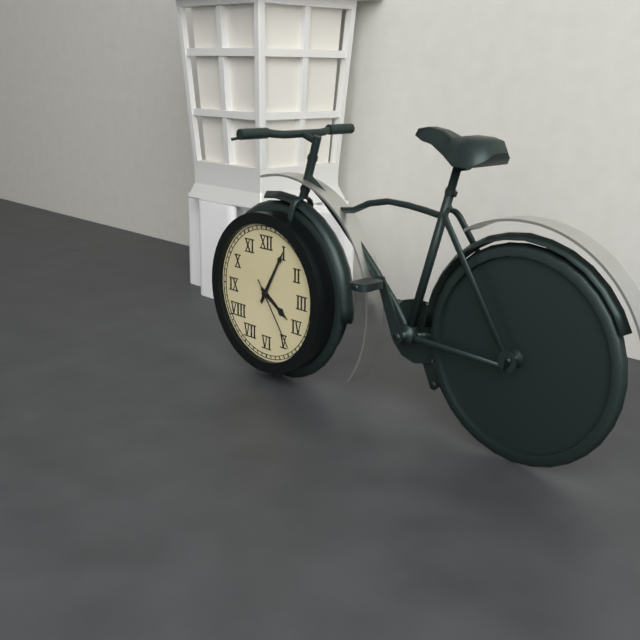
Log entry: {"hour": 4, "minute": 5, "second": 24}
